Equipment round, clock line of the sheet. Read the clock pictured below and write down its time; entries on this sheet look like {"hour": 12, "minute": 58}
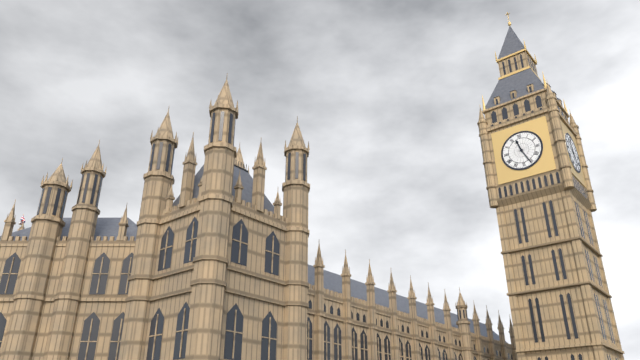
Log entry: {"hour": 11, "minute": 26}
